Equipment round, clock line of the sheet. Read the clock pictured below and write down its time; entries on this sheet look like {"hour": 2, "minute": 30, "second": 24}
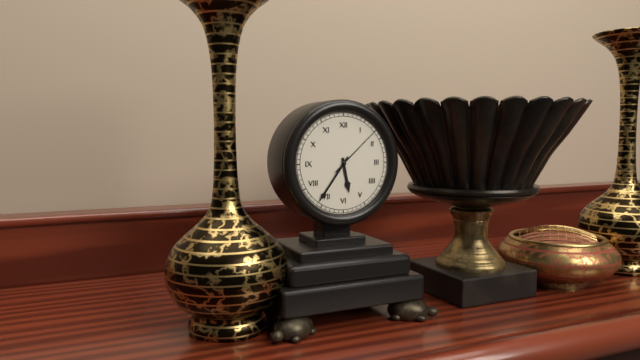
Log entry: {"hour": 5, "minute": 36, "second": 8}
